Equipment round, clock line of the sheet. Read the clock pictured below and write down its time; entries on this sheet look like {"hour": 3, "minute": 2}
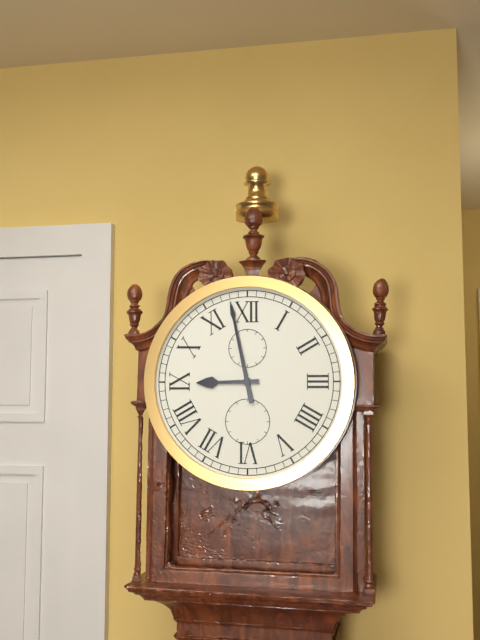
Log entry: {"hour": 8, "minute": 58}
